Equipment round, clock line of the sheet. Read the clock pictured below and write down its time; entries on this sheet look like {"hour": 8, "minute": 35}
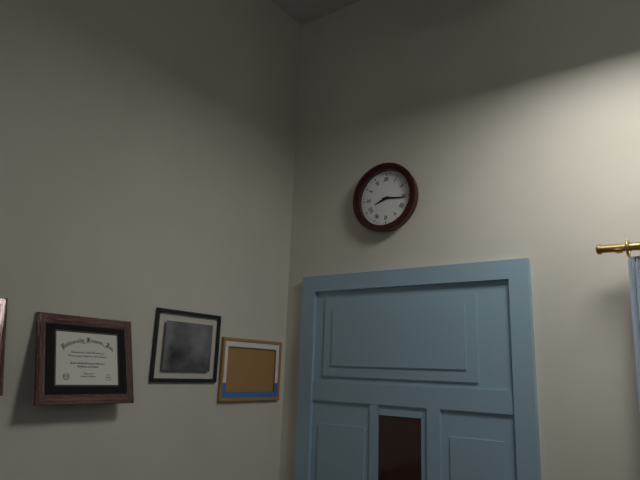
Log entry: {"hour": 8, "minute": 16}
